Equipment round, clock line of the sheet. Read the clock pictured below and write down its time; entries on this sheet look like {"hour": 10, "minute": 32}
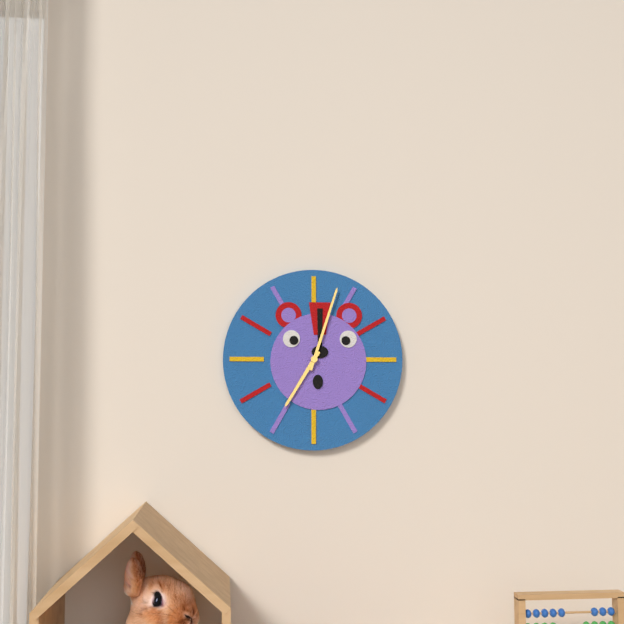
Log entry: {"hour": 7, "minute": 3}
